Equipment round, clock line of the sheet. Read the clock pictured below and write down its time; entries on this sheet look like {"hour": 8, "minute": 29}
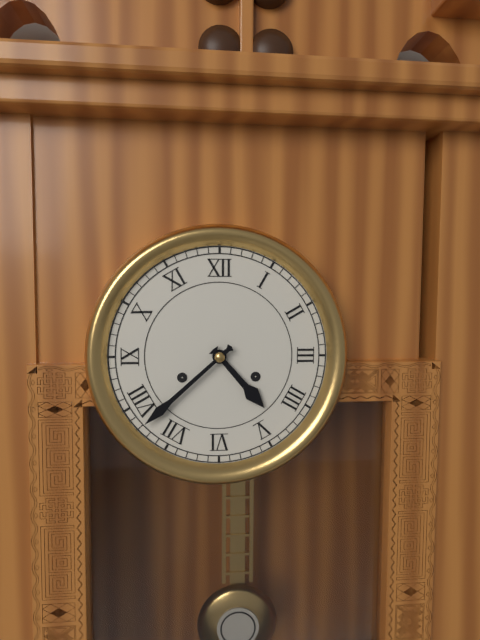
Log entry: {"hour": 4, "minute": 38}
